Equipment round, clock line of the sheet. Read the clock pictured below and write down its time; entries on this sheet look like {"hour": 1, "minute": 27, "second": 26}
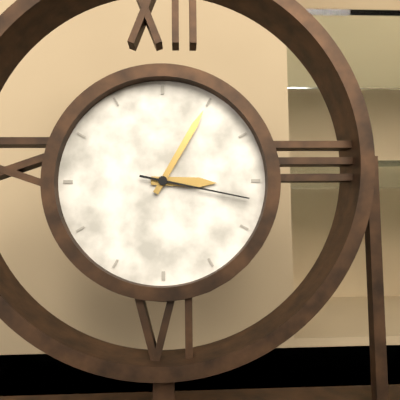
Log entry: {"hour": 3, "minute": 5, "second": 17}
